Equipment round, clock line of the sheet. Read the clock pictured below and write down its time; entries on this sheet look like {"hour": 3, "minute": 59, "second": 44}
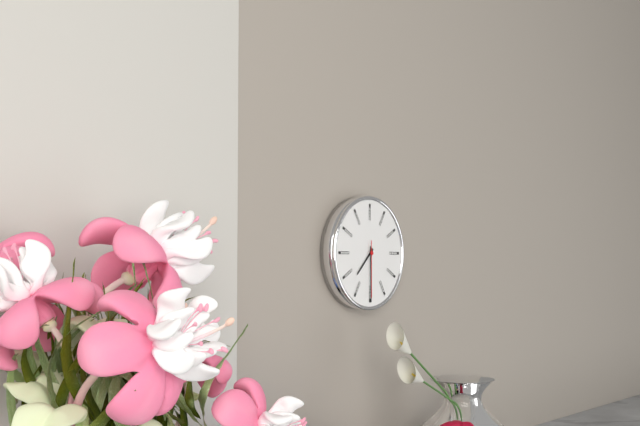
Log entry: {"hour": 7, "minute": 30, "second": 30}
